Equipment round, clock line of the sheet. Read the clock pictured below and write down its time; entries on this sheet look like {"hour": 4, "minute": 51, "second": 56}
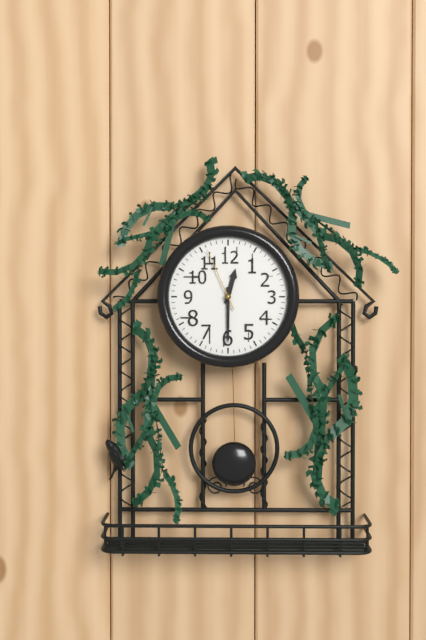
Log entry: {"hour": 12, "minute": 30, "second": 56}
